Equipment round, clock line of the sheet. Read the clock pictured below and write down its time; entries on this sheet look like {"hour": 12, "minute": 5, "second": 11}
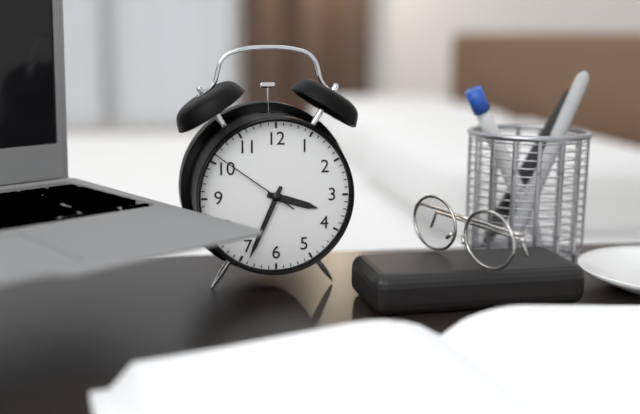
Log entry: {"hour": 3, "minute": 34, "second": 51}
